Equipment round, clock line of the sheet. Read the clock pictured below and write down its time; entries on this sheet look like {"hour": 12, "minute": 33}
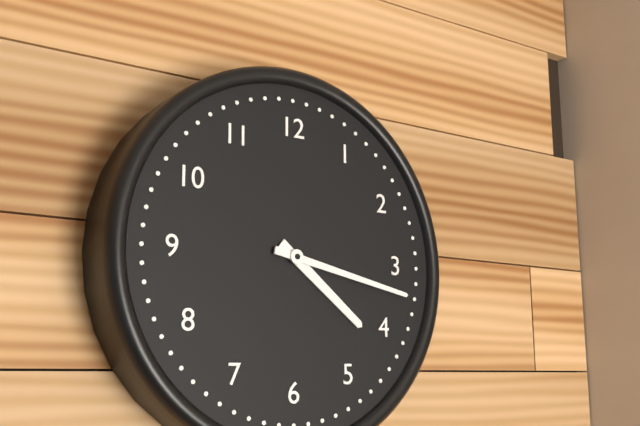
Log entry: {"hour": 4, "minute": 17}
